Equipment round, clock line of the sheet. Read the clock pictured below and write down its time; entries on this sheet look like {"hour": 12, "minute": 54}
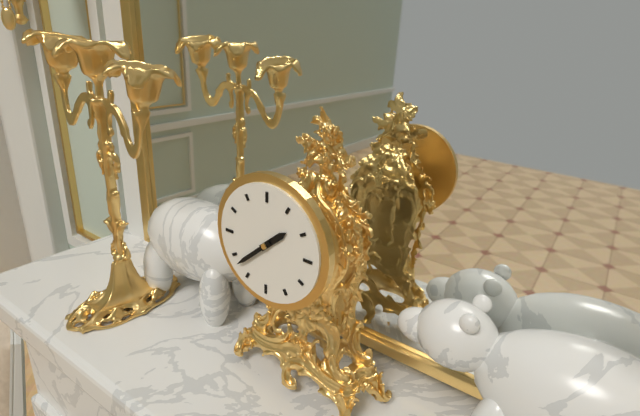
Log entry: {"hour": 1, "minute": 38}
